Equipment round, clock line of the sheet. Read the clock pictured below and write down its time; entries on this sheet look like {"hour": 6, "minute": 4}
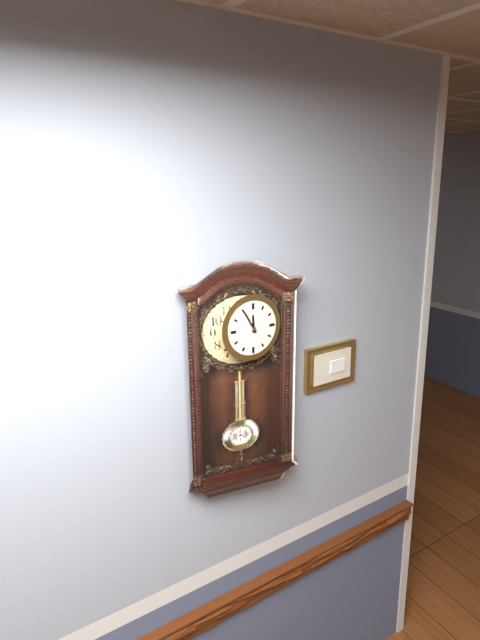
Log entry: {"hour": 11, "minute": 55}
